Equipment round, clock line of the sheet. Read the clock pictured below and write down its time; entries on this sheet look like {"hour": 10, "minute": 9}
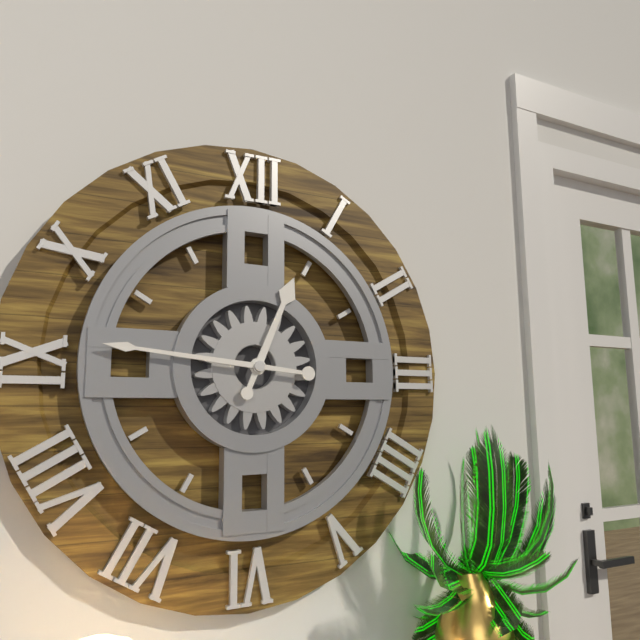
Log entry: {"hour": 12, "minute": 46}
